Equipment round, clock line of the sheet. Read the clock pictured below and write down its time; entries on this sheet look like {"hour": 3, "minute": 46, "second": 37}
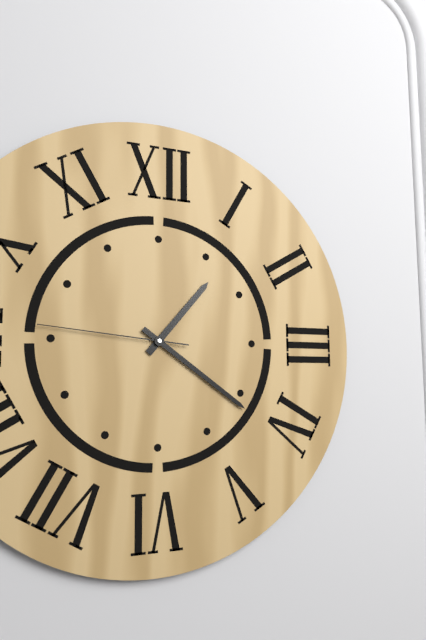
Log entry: {"hour": 1, "minute": 21, "second": 46}
